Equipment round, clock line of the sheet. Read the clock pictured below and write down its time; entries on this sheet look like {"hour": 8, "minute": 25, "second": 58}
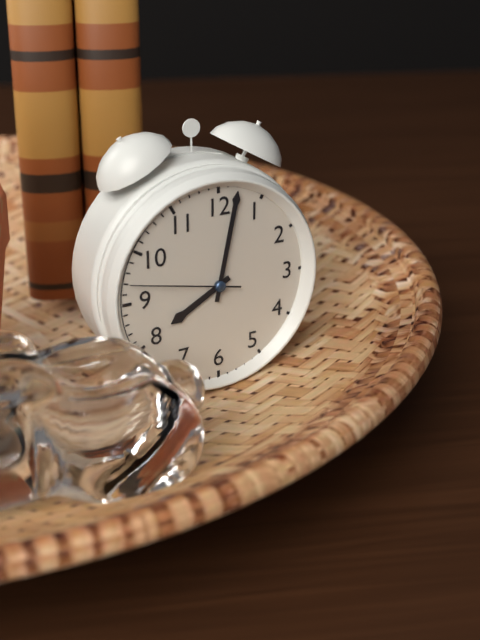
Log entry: {"hour": 8, "minute": 2, "second": 47}
